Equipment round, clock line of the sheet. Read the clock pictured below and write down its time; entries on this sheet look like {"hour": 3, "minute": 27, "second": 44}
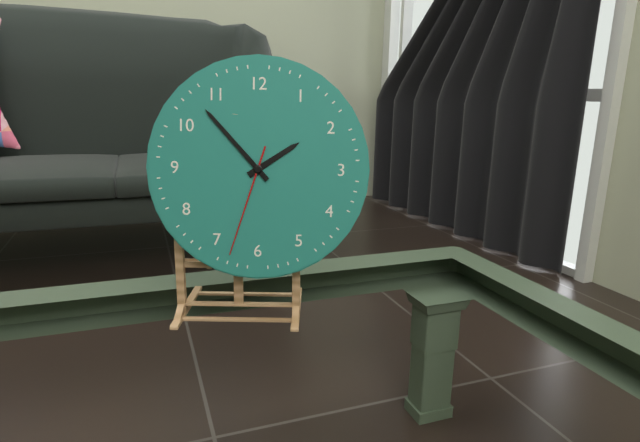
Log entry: {"hour": 1, "minute": 53, "second": 33}
